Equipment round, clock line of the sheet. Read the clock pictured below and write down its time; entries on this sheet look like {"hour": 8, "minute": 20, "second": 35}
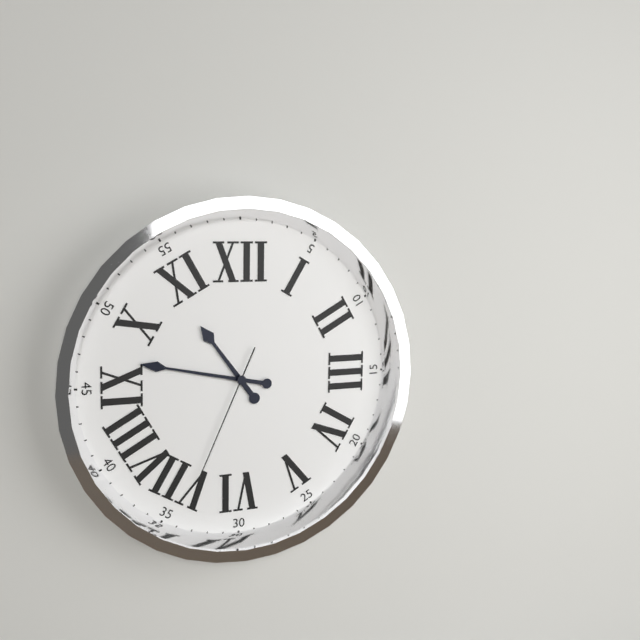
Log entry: {"hour": 10, "minute": 47, "second": 34}
